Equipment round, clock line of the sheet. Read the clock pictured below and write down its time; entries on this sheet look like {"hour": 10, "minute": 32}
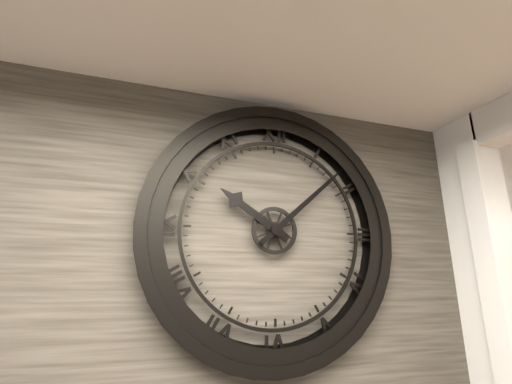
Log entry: {"hour": 10, "minute": 8}
